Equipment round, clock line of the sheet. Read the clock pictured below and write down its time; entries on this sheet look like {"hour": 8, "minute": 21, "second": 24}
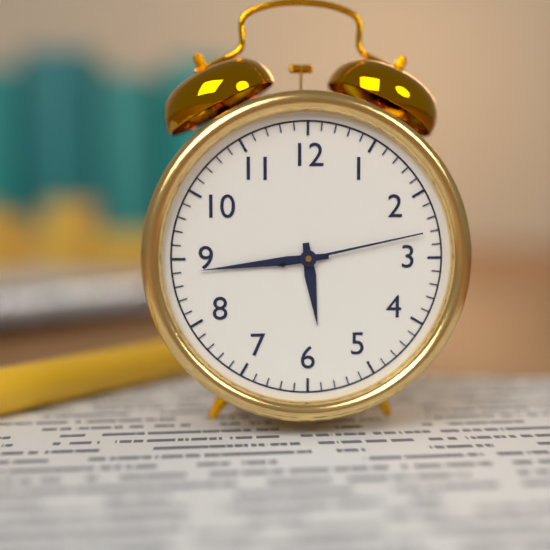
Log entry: {"hour": 5, "minute": 44, "second": 13}
